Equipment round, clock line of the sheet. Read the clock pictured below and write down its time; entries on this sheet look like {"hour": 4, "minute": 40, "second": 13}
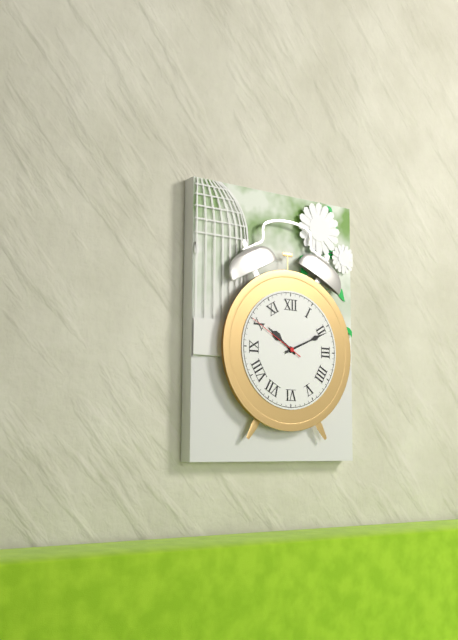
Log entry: {"hour": 10, "minute": 11, "second": 50}
